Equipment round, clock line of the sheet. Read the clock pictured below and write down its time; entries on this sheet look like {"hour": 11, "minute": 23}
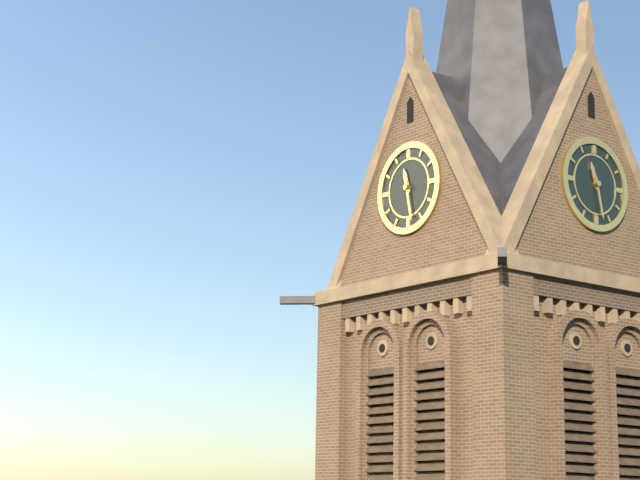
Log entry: {"hour": 11, "minute": 28}
